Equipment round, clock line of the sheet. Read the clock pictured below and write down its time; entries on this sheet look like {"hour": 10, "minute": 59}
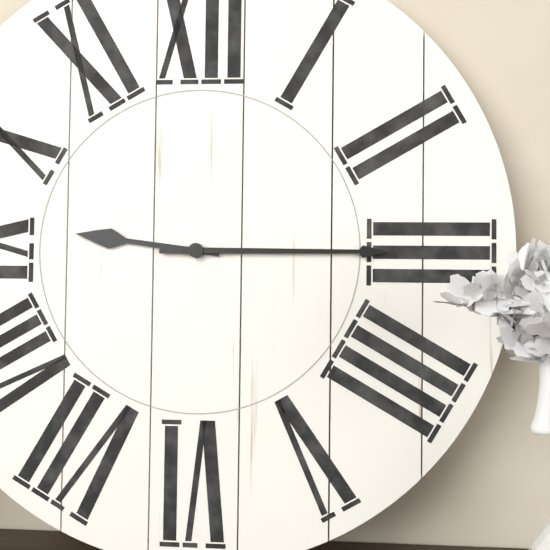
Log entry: {"hour": 9, "minute": 15}
